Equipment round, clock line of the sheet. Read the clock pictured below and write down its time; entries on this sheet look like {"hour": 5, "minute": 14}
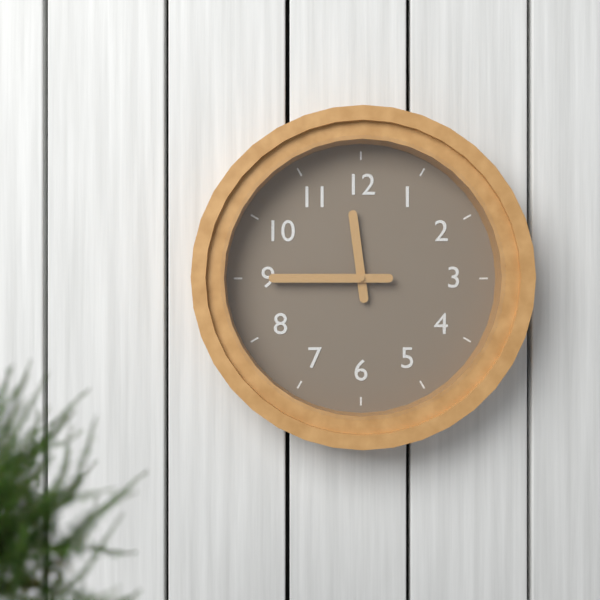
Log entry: {"hour": 11, "minute": 45}
